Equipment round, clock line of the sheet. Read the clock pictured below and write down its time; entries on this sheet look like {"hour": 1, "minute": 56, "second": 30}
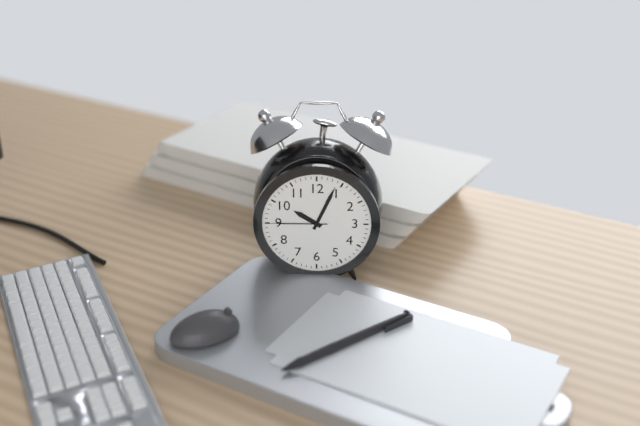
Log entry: {"hour": 10, "minute": 4, "second": 45}
